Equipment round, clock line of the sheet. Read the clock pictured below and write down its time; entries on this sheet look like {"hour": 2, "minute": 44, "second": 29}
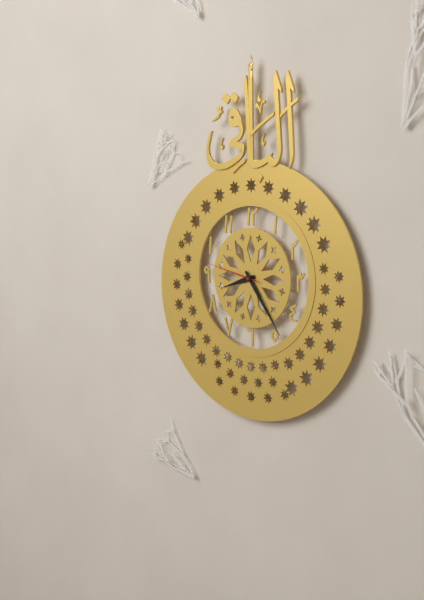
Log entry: {"hour": 8, "minute": 24, "second": 47}
